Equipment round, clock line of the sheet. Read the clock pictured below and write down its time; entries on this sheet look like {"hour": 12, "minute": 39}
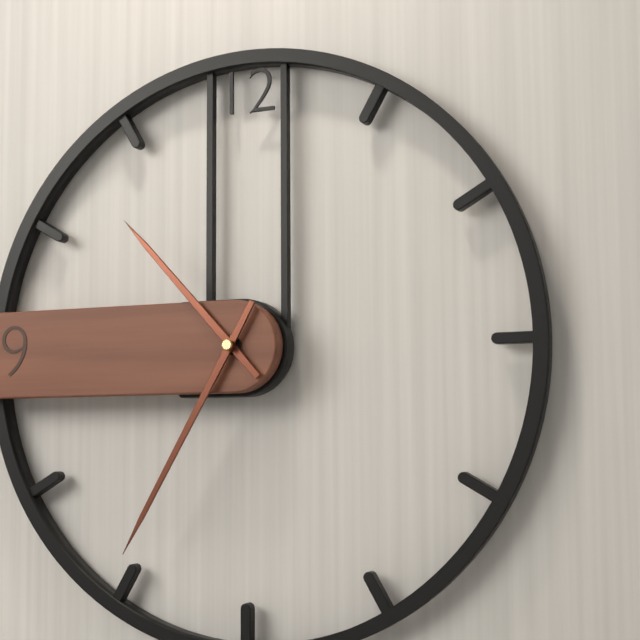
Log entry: {"hour": 10, "minute": 35}
